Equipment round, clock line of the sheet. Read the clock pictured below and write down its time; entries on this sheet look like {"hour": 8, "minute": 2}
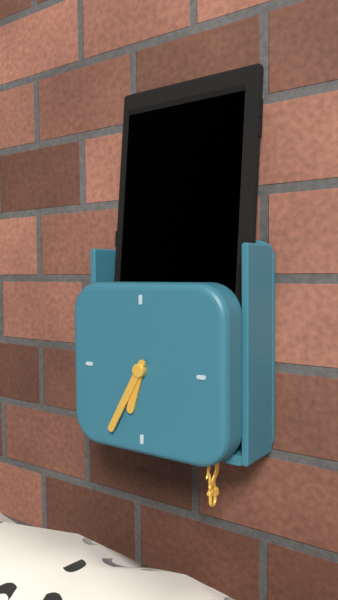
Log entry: {"hour": 6, "minute": 35}
